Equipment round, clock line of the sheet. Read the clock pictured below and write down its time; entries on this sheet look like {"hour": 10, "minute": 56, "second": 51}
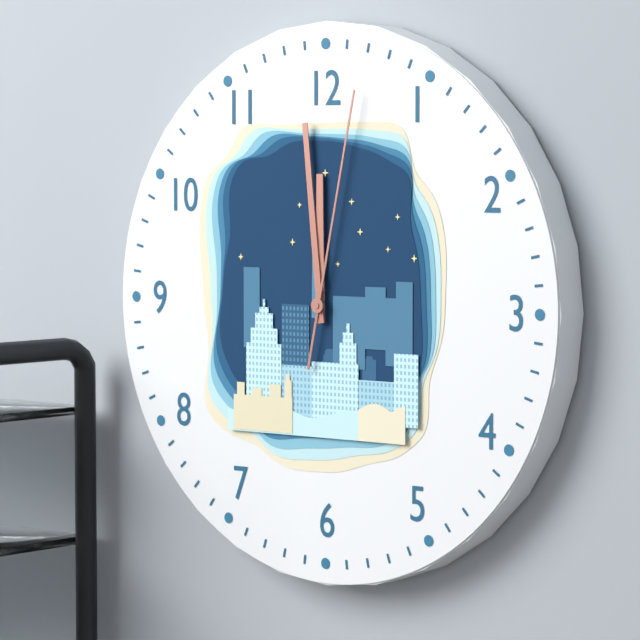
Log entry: {"hour": 11, "minute": 59, "second": 2}
